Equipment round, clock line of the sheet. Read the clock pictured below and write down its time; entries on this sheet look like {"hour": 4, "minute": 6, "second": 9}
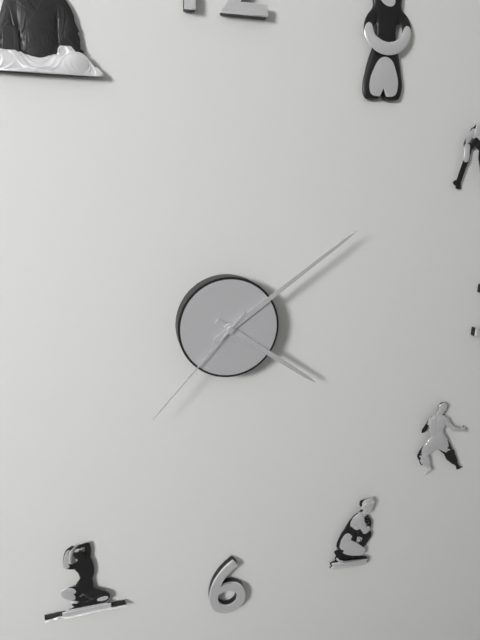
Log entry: {"hour": 4, "minute": 9, "second": 37}
